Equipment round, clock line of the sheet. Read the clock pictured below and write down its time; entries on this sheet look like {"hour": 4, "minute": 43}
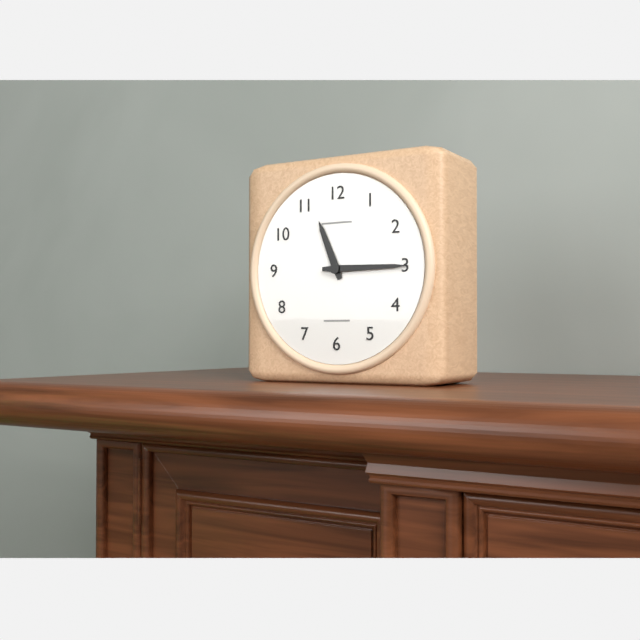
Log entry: {"hour": 11, "minute": 15}
